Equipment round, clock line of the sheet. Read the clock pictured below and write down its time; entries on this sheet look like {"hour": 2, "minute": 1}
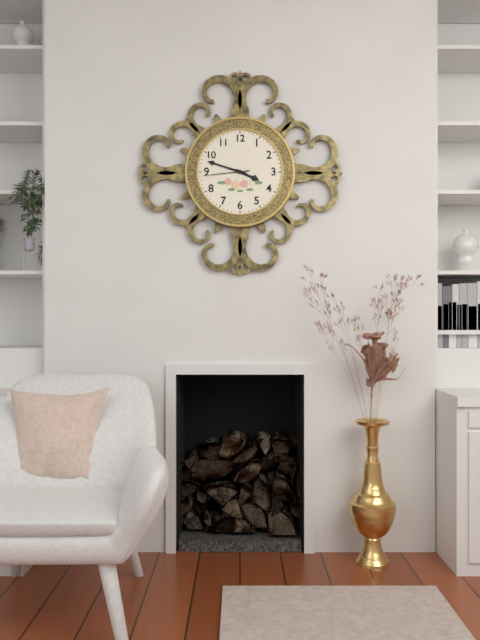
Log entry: {"hour": 3, "minute": 48}
